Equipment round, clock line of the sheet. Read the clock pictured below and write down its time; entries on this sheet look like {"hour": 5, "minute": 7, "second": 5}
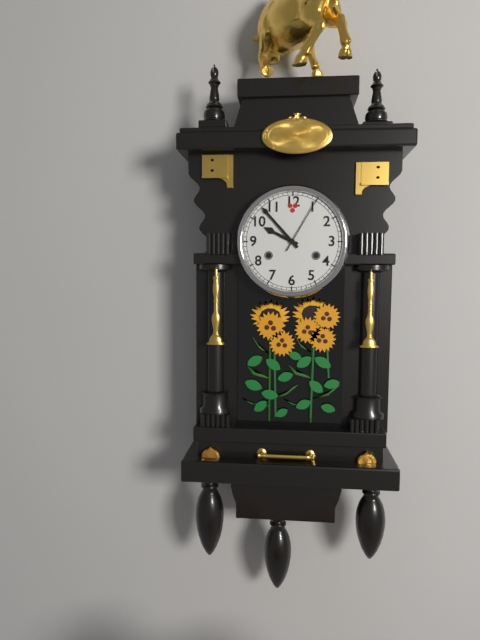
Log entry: {"hour": 9, "minute": 53, "second": 5}
